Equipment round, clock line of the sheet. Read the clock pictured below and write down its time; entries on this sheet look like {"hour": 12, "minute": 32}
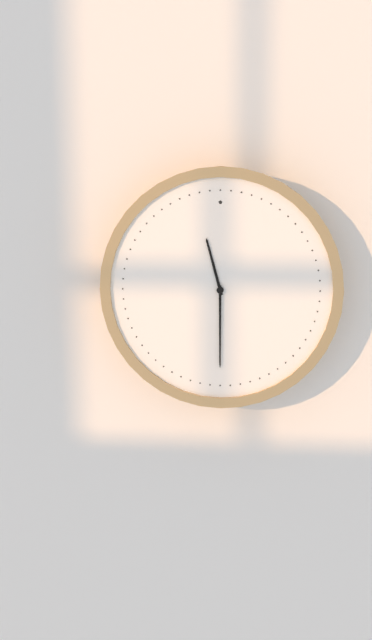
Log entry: {"hour": 11, "minute": 30}
